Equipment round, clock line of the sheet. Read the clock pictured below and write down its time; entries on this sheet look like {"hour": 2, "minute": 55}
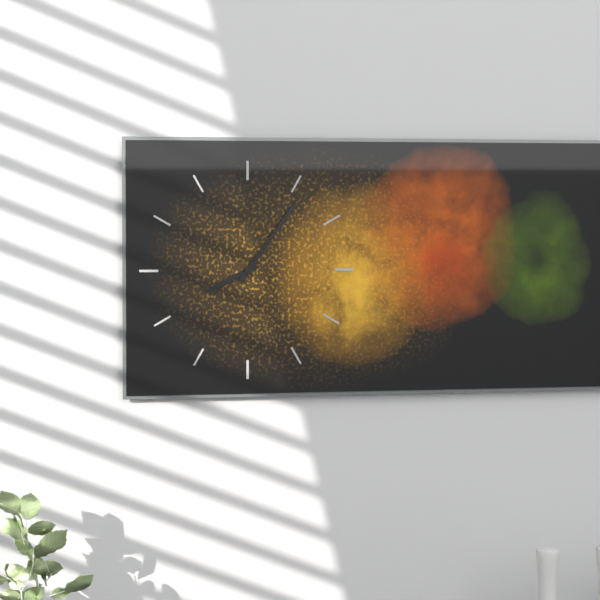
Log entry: {"hour": 8, "minute": 6}
